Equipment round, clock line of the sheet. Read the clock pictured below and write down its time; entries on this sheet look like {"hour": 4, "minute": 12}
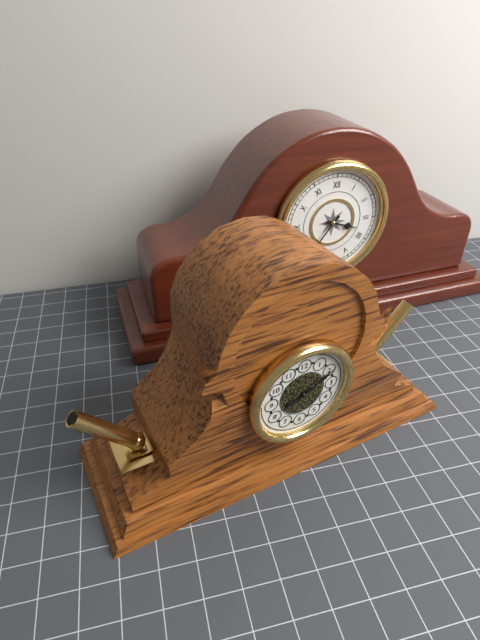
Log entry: {"hour": 8, "minute": 10}
